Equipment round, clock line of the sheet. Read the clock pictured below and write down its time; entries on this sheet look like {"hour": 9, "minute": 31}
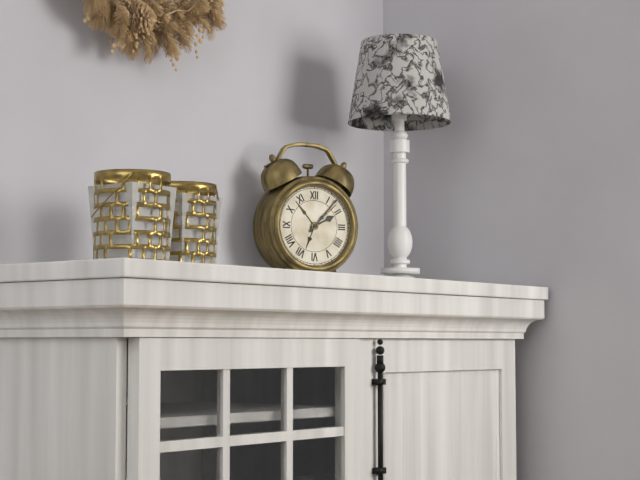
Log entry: {"hour": 2, "minute": 7}
